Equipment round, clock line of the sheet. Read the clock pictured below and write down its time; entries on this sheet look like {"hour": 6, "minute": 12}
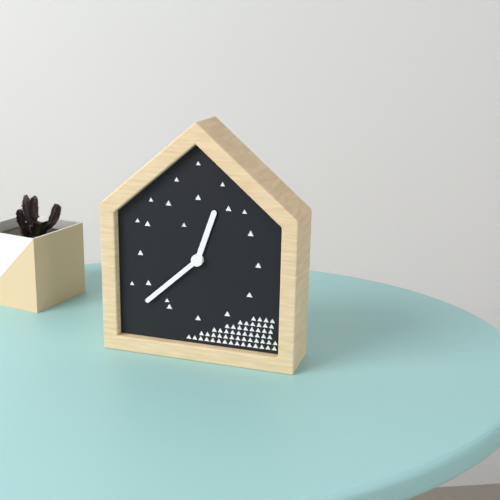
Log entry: {"hour": 12, "minute": 38}
